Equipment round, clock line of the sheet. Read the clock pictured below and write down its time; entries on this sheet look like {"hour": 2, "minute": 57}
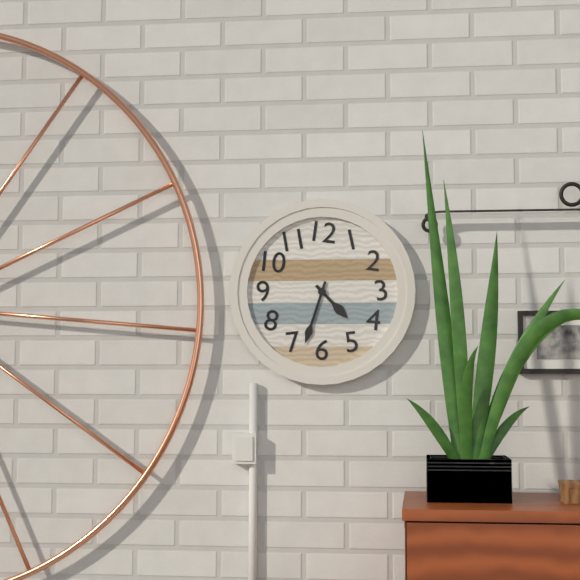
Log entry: {"hour": 4, "minute": 33}
